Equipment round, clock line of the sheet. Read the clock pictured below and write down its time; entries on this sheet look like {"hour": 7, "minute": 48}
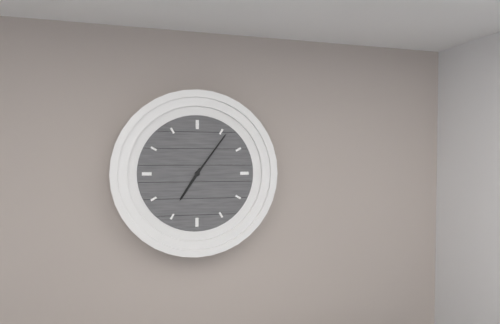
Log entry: {"hour": 7, "minute": 6}
